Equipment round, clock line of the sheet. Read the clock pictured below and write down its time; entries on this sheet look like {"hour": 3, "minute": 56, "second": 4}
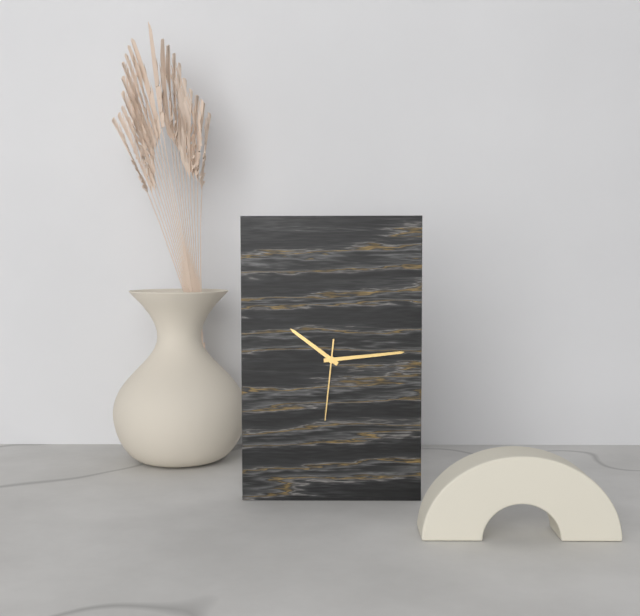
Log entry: {"hour": 10, "minute": 14, "second": 31}
